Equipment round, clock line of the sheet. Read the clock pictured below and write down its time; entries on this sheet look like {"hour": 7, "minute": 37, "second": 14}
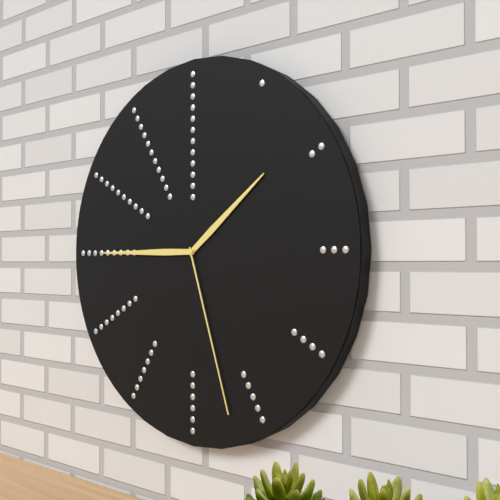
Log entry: {"hour": 1, "minute": 45, "second": 27}
